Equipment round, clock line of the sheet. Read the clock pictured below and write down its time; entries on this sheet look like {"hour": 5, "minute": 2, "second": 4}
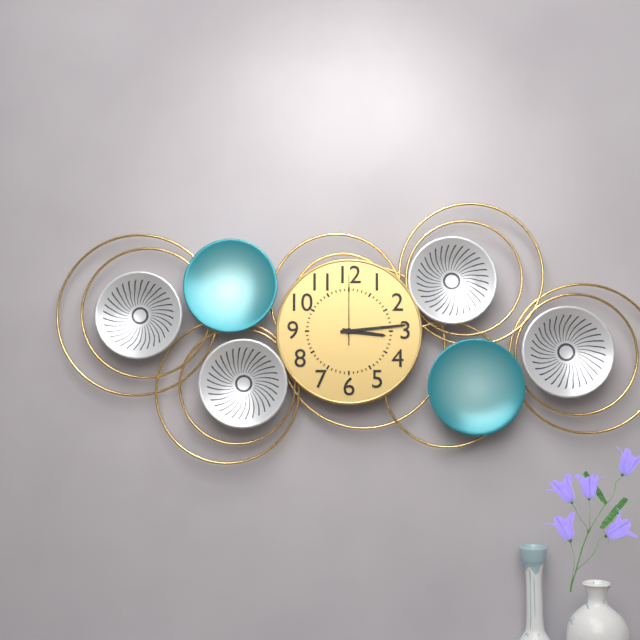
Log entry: {"hour": 3, "minute": 14, "second": 0}
